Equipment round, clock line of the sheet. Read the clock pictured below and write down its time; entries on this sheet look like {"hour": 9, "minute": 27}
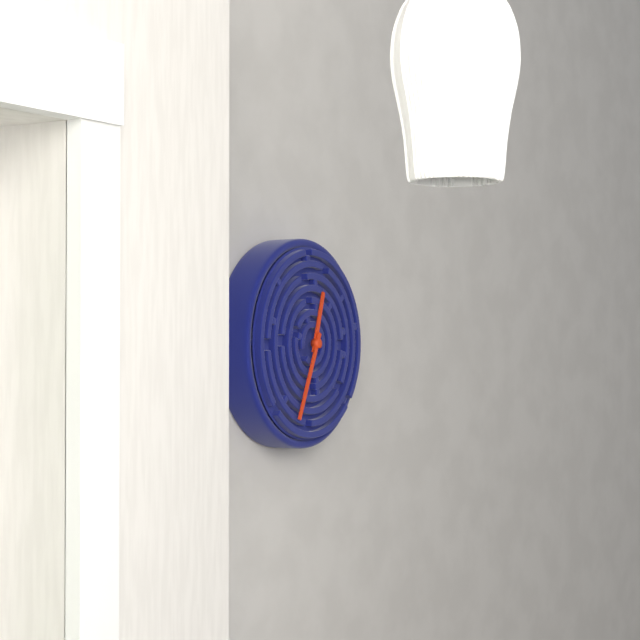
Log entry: {"hour": 12, "minute": 34}
